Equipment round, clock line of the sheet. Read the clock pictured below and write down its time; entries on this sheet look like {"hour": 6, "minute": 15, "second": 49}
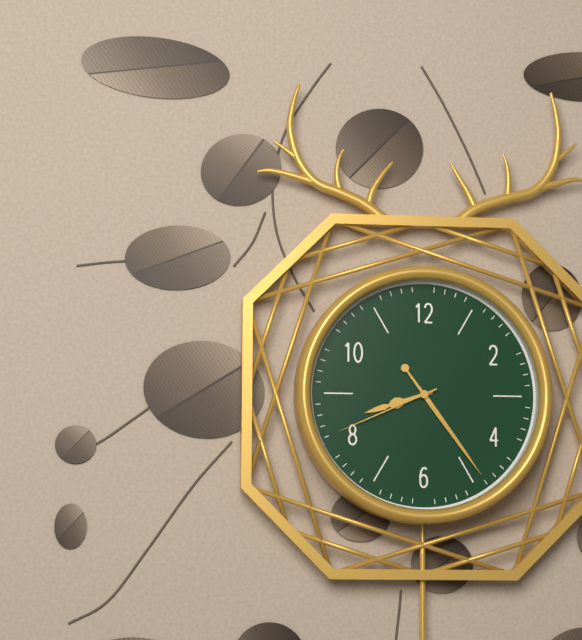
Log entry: {"hour": 8, "minute": 24, "second": 41}
